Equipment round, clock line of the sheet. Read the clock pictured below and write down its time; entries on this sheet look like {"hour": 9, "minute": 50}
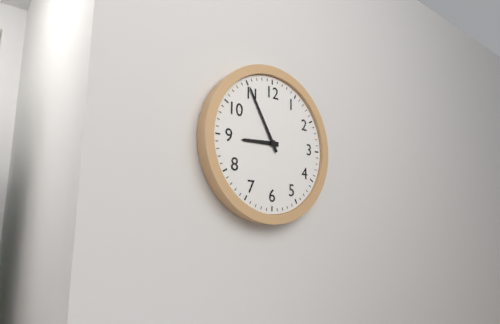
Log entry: {"hour": 8, "minute": 55}
